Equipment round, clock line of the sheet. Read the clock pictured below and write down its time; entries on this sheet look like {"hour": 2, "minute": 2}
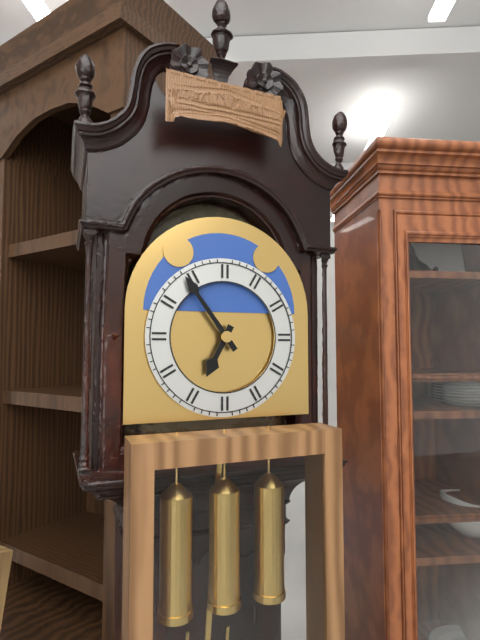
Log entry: {"hour": 6, "minute": 54}
